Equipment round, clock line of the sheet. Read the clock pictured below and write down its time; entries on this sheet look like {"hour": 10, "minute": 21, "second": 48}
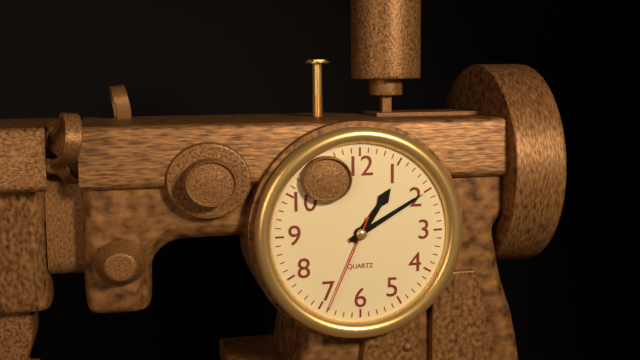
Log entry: {"hour": 1, "minute": 10, "second": 34}
